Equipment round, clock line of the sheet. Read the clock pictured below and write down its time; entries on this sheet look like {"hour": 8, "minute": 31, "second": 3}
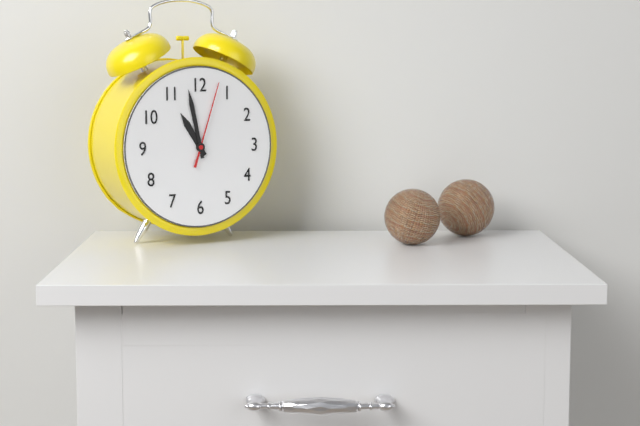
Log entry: {"hour": 10, "minute": 58, "second": 3}
